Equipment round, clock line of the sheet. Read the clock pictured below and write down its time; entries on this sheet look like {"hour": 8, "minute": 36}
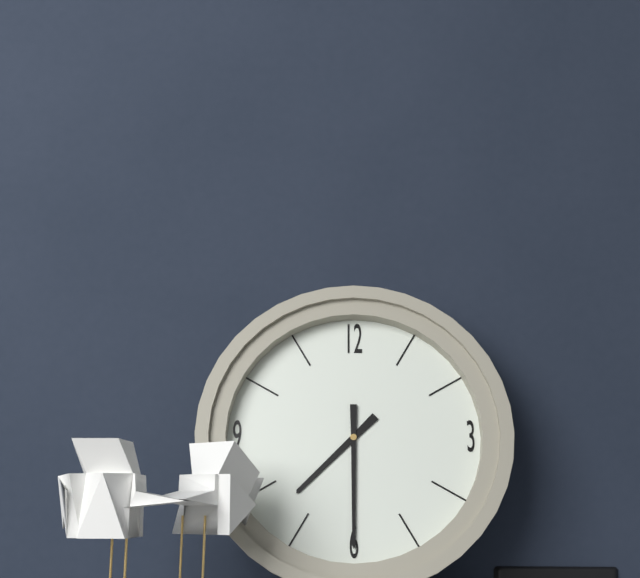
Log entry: {"hour": 7, "minute": 30}
